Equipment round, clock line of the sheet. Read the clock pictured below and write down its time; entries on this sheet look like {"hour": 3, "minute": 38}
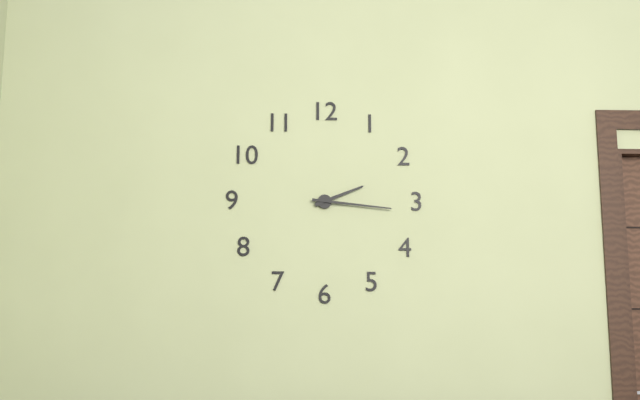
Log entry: {"hour": 2, "minute": 16}
